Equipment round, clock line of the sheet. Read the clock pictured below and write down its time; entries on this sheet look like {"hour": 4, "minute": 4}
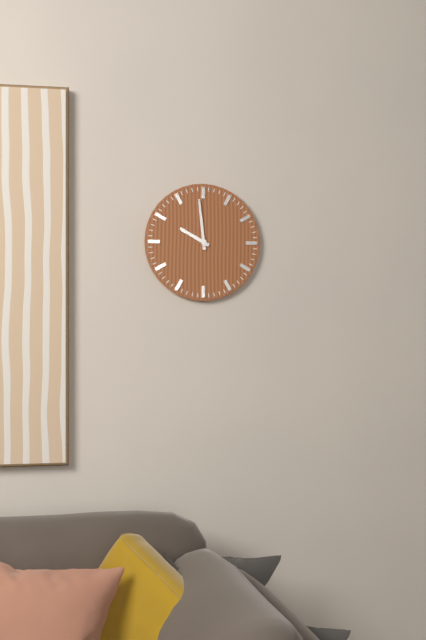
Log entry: {"hour": 9, "minute": 59}
